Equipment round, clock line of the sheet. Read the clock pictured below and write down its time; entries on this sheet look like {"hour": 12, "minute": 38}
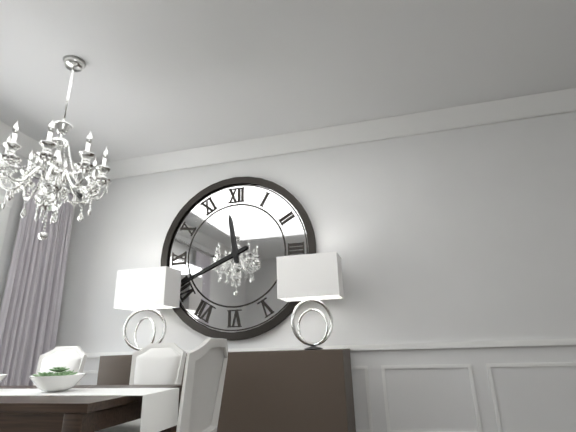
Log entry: {"hour": 11, "minute": 41}
